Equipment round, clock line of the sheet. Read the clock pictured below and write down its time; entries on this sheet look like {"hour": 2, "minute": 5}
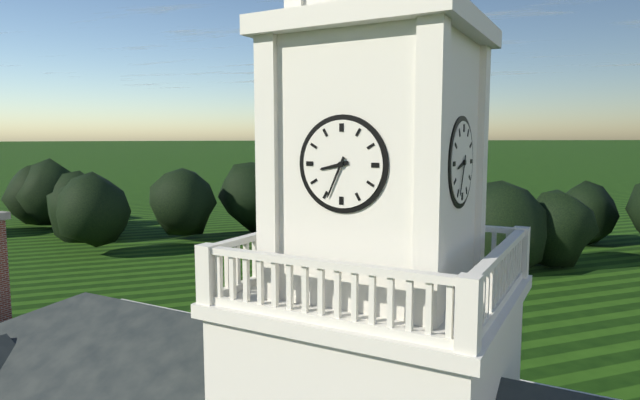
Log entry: {"hour": 8, "minute": 34}
